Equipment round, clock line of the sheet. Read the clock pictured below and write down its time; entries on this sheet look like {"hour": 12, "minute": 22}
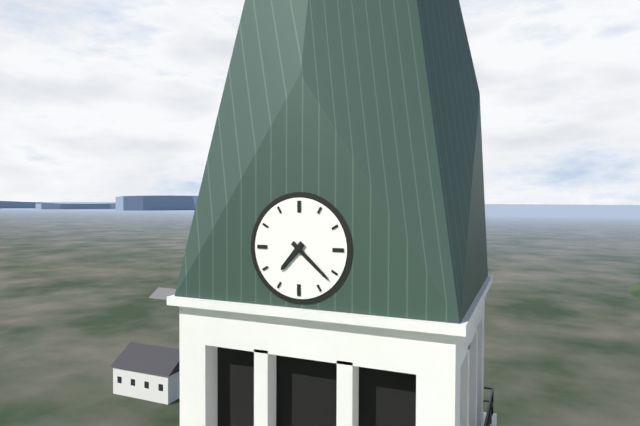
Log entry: {"hour": 7, "minute": 22}
